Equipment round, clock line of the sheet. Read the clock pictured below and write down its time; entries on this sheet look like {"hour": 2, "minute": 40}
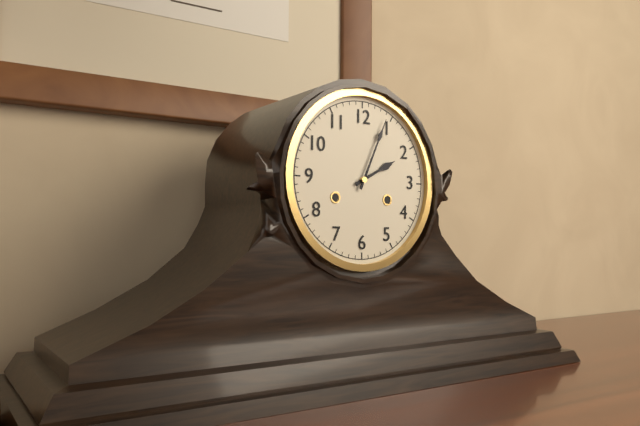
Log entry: {"hour": 2, "minute": 4}
